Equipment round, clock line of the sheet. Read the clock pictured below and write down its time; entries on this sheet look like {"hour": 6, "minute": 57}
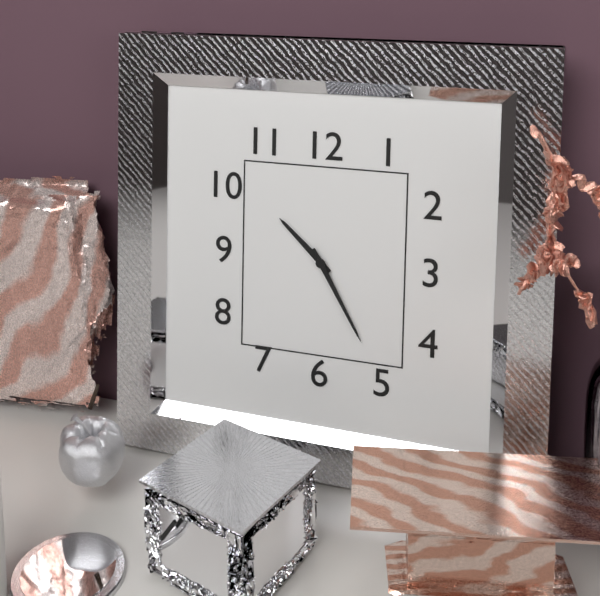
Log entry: {"hour": 10, "minute": 25}
